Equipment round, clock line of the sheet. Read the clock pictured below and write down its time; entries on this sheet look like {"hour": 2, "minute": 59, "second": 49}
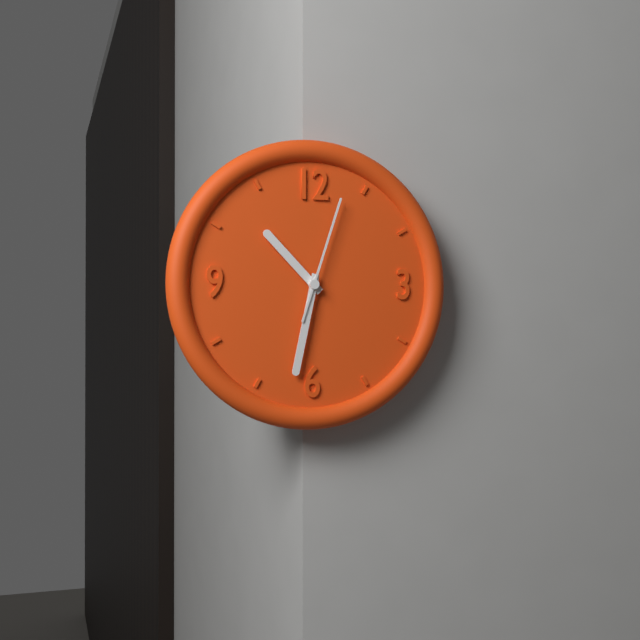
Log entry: {"hour": 10, "minute": 32, "second": 3}
